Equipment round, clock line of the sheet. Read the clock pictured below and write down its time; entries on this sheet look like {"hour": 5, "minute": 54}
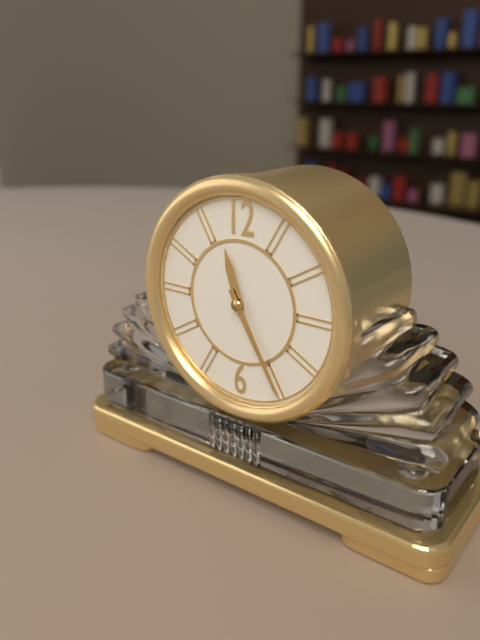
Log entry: {"hour": 11, "minute": 25}
